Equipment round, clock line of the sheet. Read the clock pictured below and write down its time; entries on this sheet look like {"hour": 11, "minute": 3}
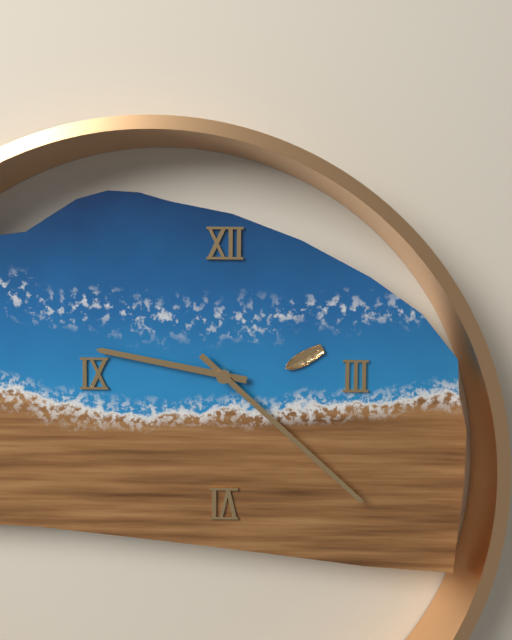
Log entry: {"hour": 9, "minute": 22}
